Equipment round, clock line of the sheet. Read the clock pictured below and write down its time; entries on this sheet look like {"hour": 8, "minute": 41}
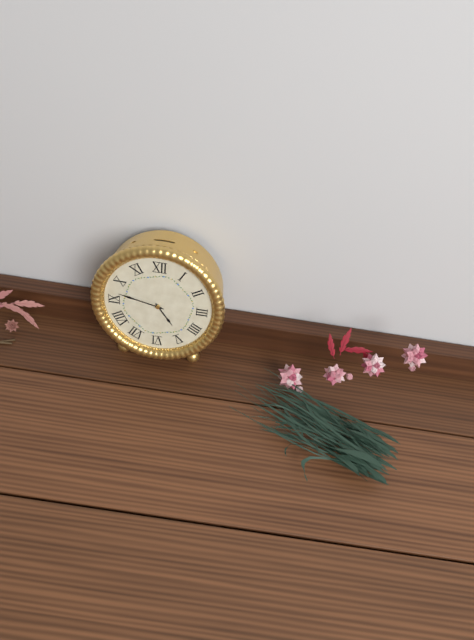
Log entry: {"hour": 4, "minute": 47}
